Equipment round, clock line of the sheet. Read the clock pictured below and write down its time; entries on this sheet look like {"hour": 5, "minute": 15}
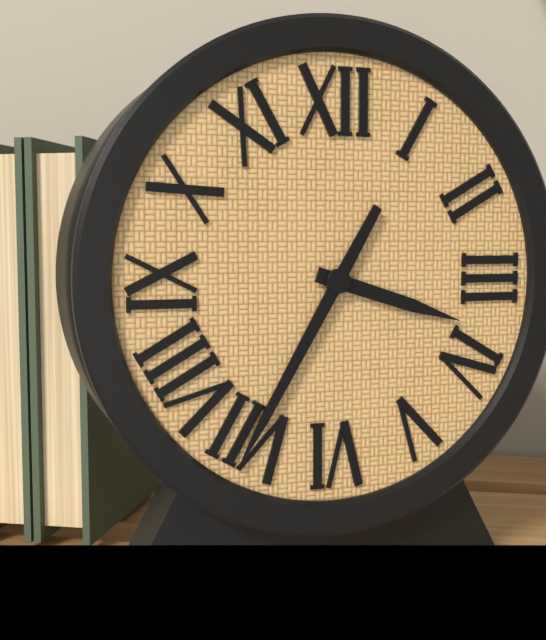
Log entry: {"hour": 3, "minute": 35}
